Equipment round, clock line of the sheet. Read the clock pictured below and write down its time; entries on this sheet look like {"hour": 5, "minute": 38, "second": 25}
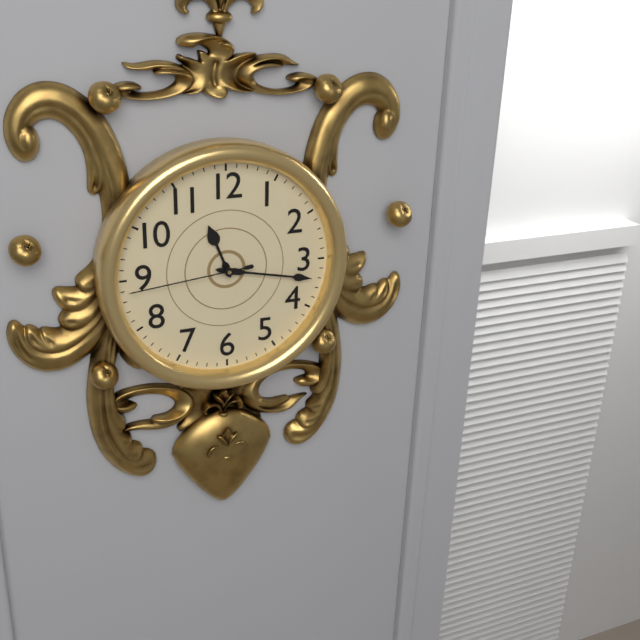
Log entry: {"hour": 11, "minute": 17, "second": 44}
